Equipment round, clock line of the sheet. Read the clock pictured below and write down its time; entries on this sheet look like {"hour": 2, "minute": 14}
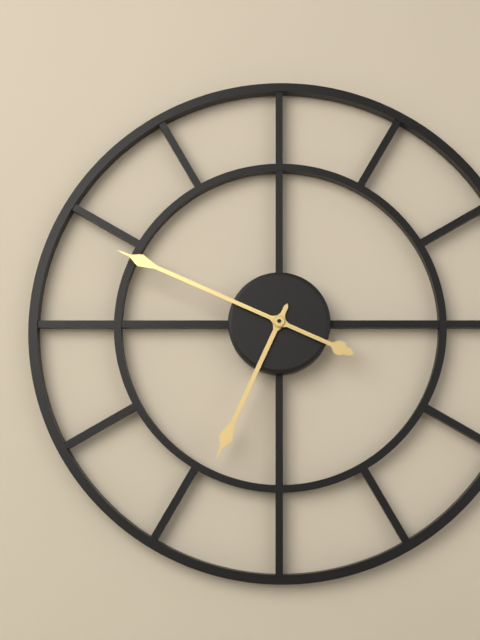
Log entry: {"hour": 6, "minute": 49}
